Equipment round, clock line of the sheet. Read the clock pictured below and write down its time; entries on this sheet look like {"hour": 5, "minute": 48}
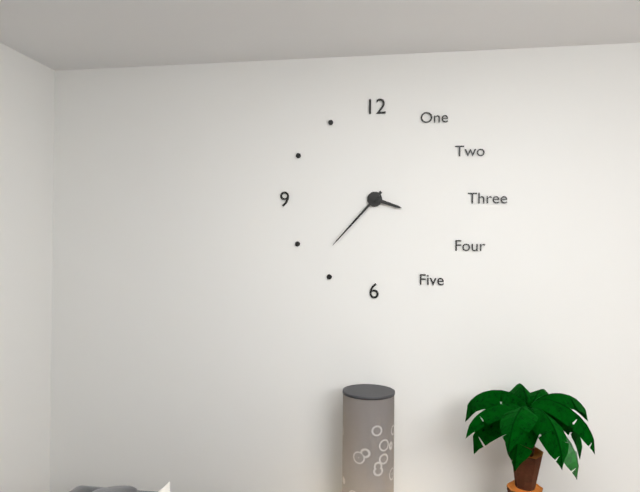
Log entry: {"hour": 3, "minute": 37}
